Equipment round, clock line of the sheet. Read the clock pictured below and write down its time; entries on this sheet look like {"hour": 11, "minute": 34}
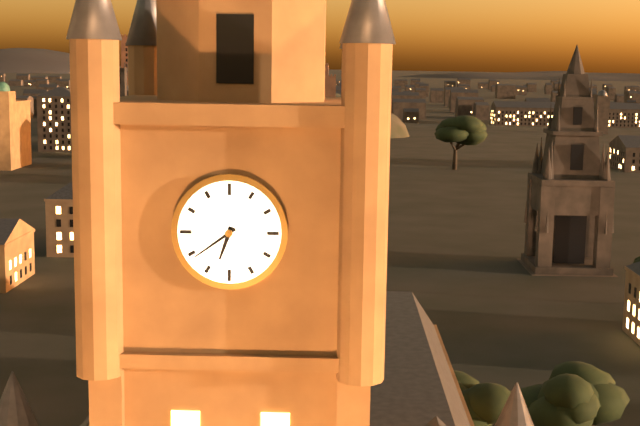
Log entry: {"hour": 6, "minute": 39}
